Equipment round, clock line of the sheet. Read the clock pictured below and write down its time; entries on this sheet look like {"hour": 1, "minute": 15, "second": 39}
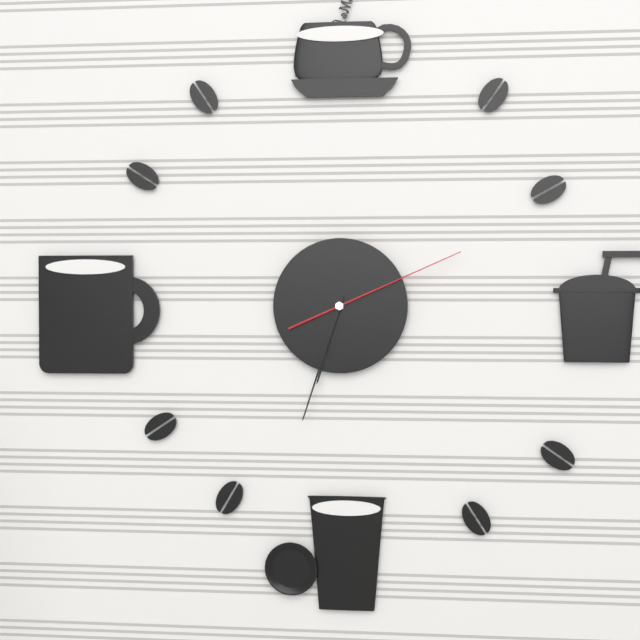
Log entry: {"hour": 6, "minute": 33, "second": 11}
